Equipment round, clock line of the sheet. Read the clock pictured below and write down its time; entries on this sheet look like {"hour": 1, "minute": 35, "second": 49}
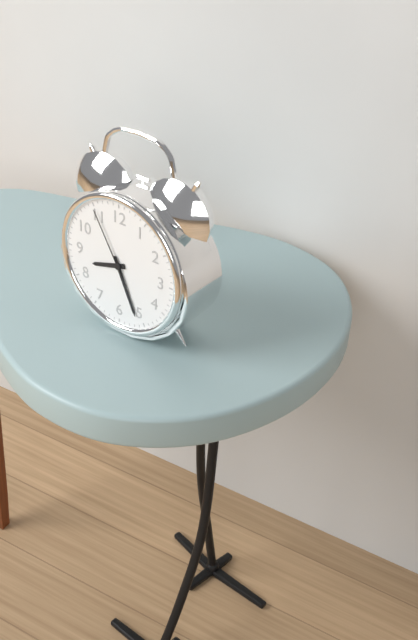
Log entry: {"hour": 8, "minute": 26, "second": 55}
